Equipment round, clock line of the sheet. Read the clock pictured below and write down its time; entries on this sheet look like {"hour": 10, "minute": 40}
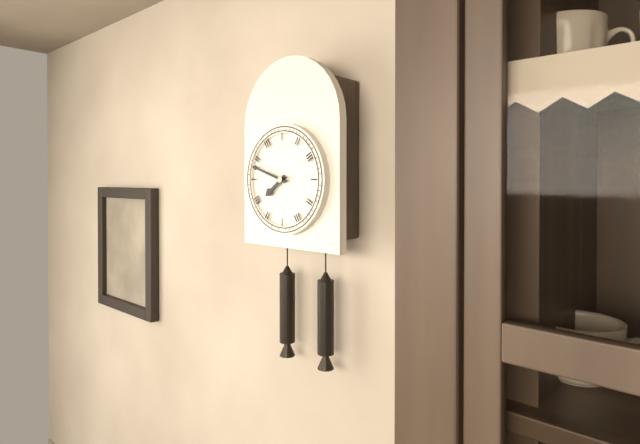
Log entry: {"hour": 7, "minute": 48}
